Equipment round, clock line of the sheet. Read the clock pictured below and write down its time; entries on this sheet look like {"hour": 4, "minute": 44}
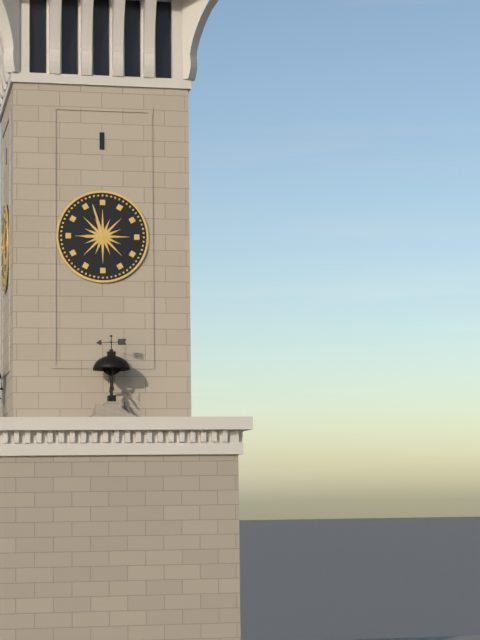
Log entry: {"hour": 8, "minute": 57}
